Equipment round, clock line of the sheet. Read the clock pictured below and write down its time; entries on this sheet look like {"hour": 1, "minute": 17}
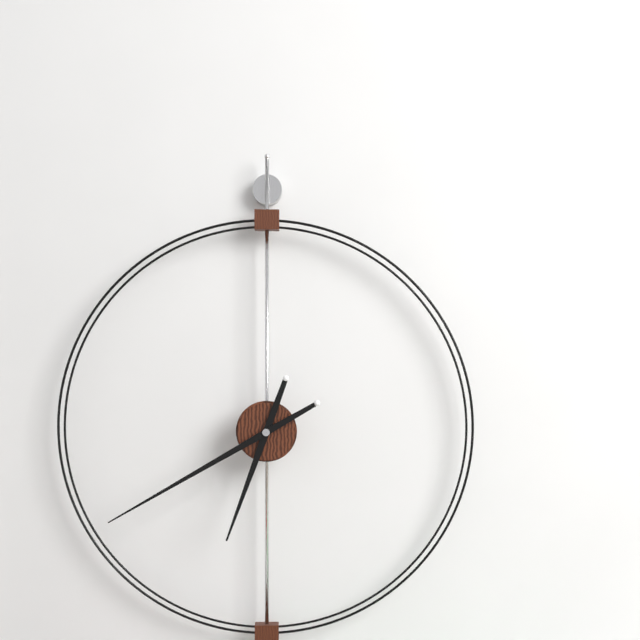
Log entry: {"hour": 6, "minute": 40}
